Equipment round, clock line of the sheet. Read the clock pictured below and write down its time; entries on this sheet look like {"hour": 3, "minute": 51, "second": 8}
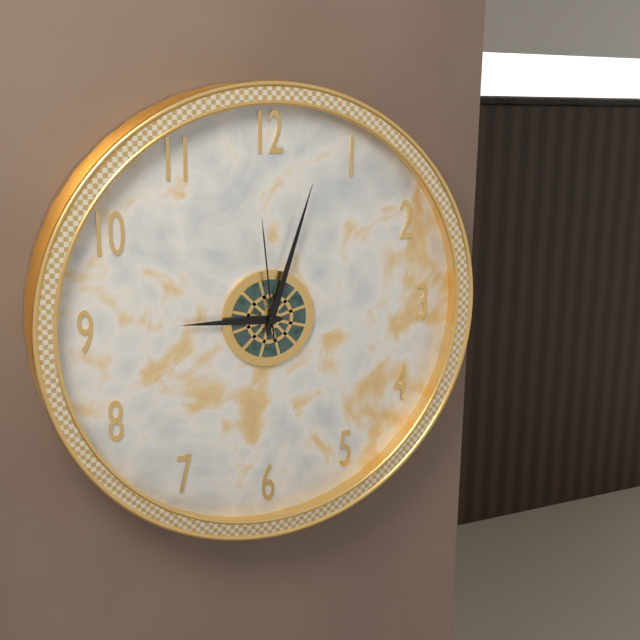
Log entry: {"hour": 9, "minute": 3, "second": 59}
